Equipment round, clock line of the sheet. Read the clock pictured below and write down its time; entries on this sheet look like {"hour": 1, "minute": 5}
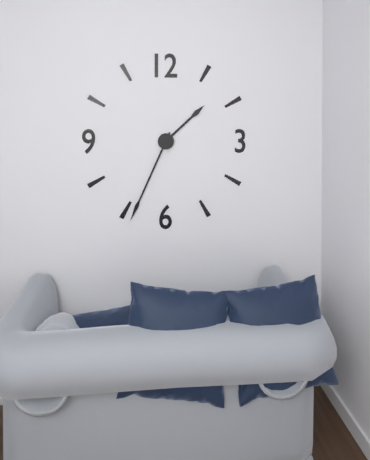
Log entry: {"hour": 1, "minute": 34}
